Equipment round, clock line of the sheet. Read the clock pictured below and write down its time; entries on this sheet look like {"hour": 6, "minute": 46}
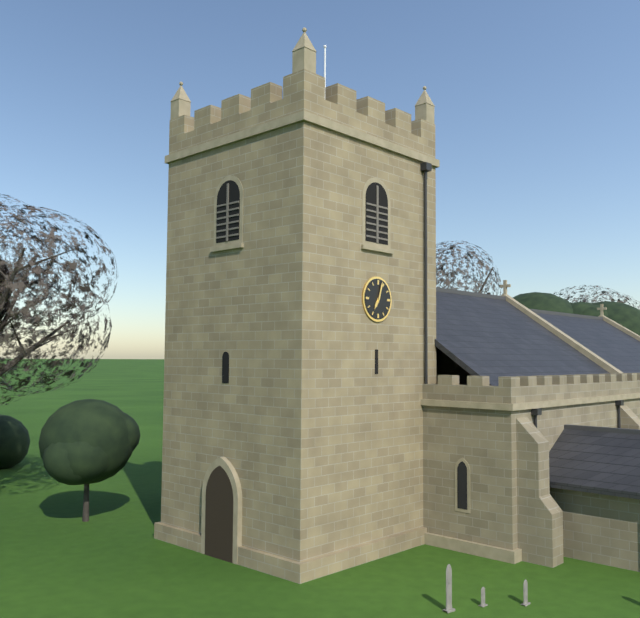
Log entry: {"hour": 7, "minute": 3}
